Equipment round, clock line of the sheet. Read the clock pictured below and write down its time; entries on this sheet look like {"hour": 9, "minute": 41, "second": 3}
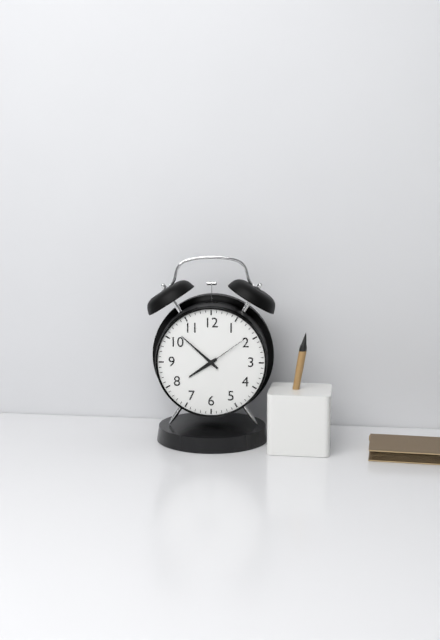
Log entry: {"hour": 7, "minute": 52, "second": 9}
